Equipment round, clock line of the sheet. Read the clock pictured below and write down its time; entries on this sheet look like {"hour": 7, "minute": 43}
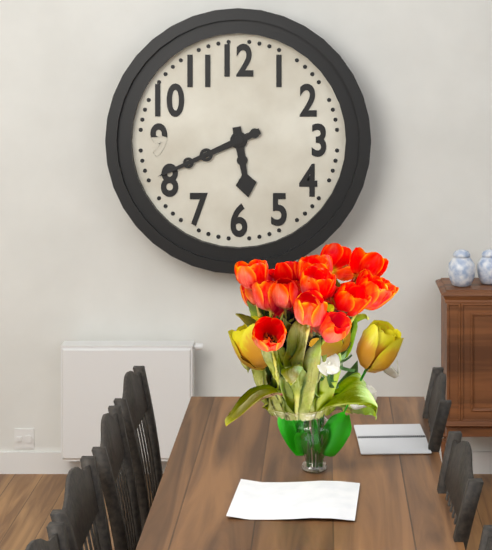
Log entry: {"hour": 5, "minute": 41}
